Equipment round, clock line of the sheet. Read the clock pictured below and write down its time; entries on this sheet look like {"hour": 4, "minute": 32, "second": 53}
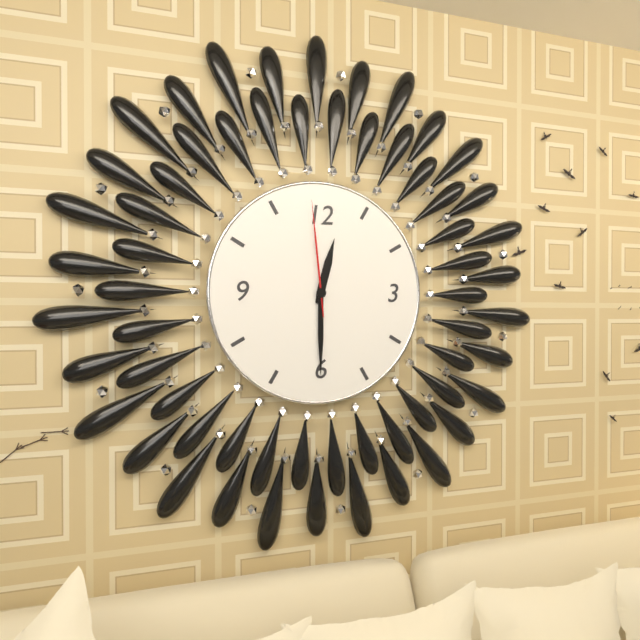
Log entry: {"hour": 12, "minute": 30, "second": 59}
